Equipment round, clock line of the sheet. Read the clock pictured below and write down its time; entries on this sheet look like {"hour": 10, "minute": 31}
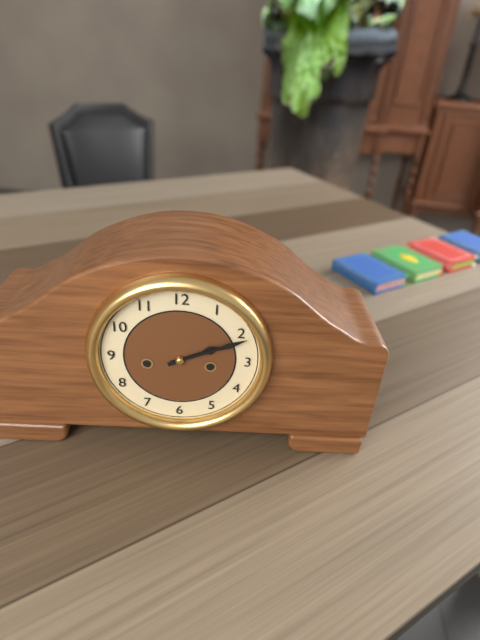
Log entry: {"hour": 2, "minute": 11}
